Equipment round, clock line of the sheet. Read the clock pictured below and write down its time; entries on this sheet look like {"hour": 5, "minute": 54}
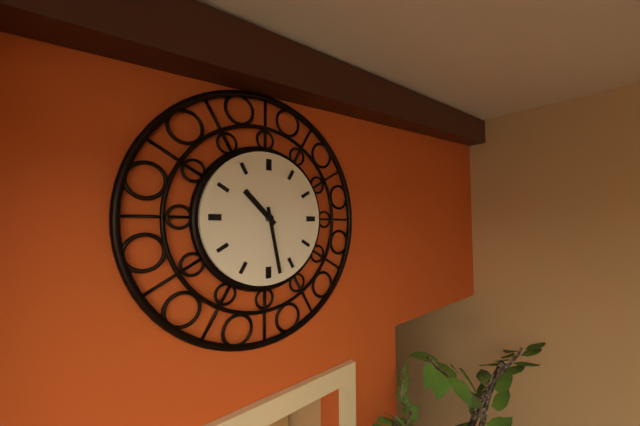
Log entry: {"hour": 10, "minute": 28}
